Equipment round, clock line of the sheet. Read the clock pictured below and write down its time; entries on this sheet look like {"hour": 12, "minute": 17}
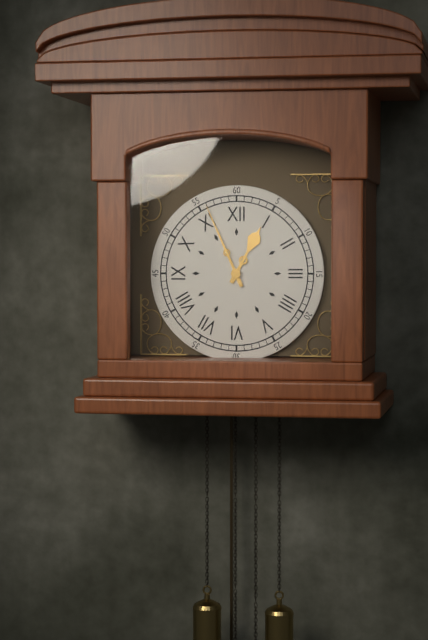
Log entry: {"hour": 12, "minute": 56}
